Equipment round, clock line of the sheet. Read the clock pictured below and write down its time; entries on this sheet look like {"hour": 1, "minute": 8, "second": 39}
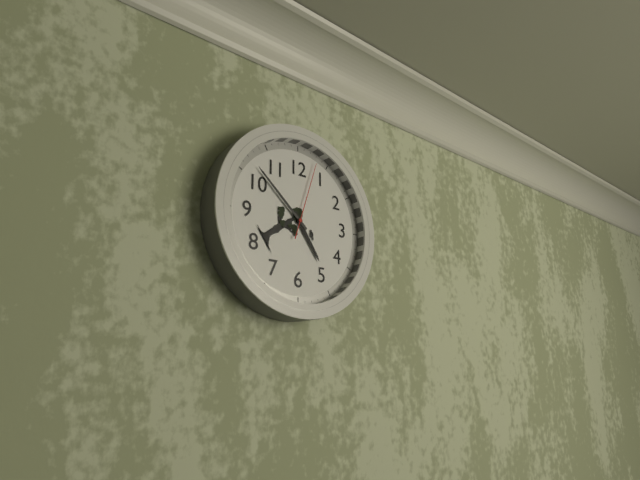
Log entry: {"hour": 4, "minute": 52, "second": 3}
